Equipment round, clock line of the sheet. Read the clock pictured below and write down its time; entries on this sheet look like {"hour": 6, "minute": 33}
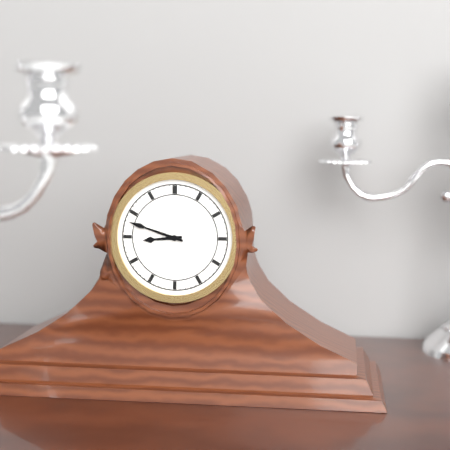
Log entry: {"hour": 8, "minute": 48}
